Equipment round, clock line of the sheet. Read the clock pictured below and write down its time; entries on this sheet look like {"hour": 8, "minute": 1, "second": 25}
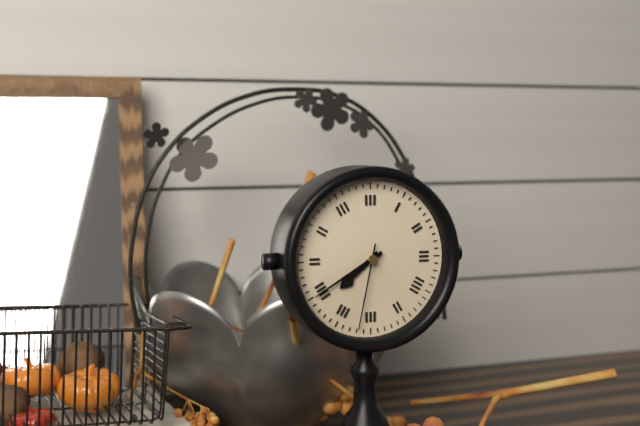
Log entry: {"hour": 7, "minute": 40, "second": 32}
